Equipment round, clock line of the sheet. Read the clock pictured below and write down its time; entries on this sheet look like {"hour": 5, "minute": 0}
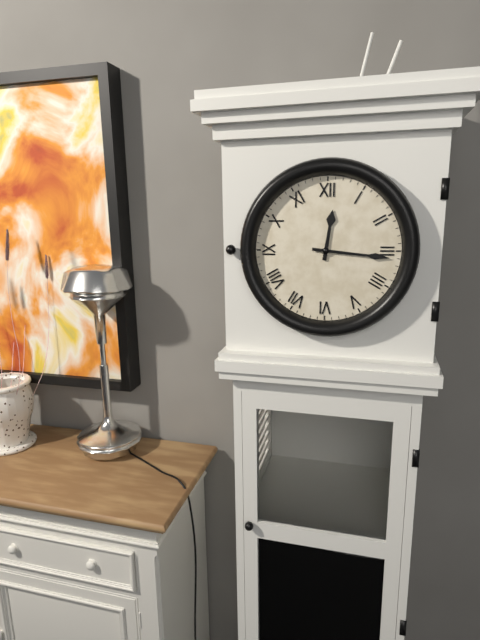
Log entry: {"hour": 12, "minute": 16}
